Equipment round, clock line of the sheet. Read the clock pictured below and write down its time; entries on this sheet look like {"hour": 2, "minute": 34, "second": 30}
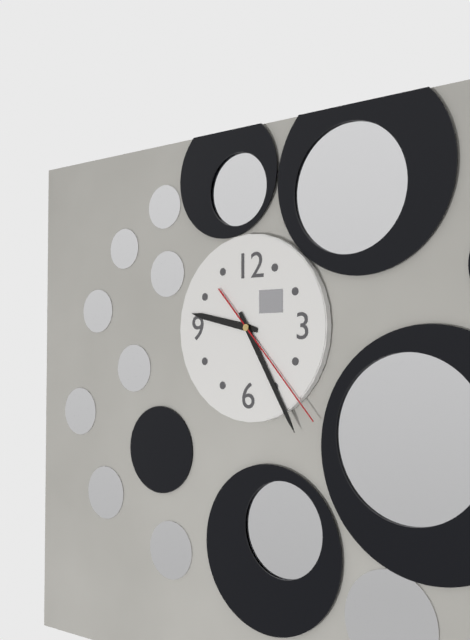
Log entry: {"hour": 9, "minute": 25, "second": 23}
